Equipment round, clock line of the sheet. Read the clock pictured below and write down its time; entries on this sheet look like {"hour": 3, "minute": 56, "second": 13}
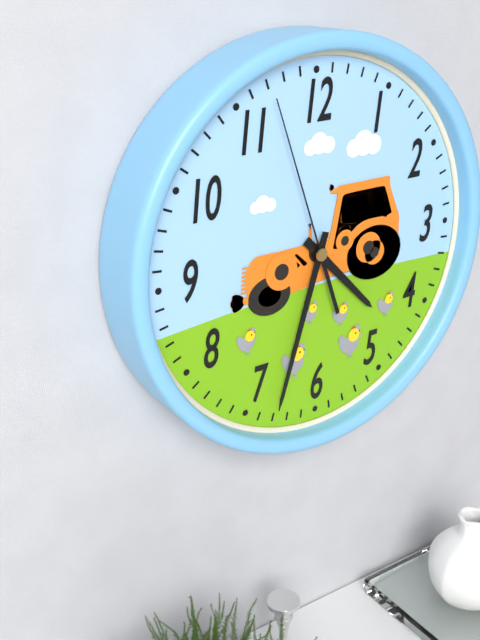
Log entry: {"hour": 4, "minute": 33, "second": 57}
